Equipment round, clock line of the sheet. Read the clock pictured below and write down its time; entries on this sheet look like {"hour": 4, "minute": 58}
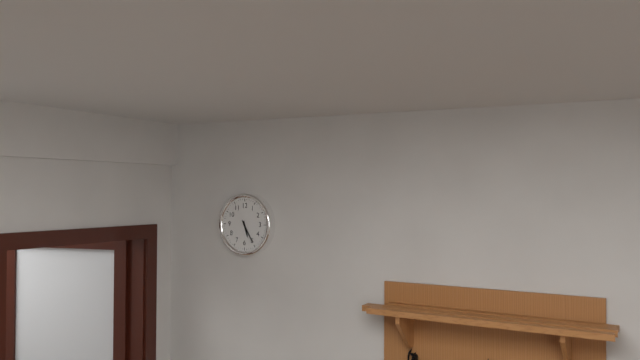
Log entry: {"hour": 5, "minute": 25}
